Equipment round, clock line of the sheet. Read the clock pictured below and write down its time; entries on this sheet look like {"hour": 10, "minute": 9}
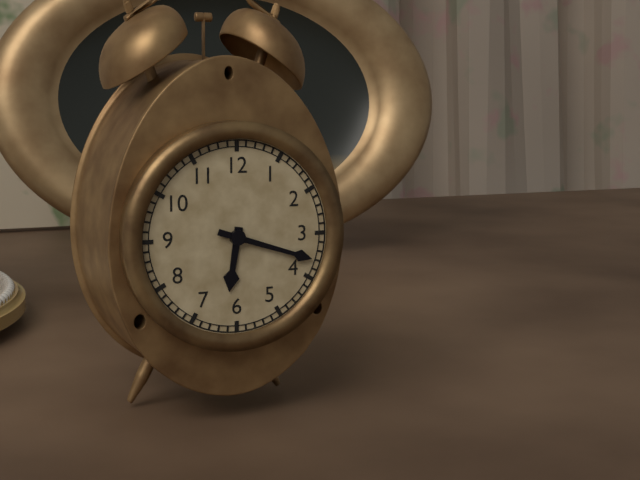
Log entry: {"hour": 6, "minute": 18}
